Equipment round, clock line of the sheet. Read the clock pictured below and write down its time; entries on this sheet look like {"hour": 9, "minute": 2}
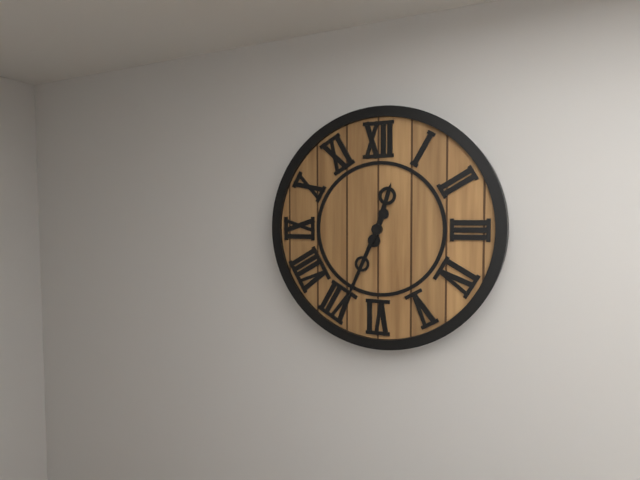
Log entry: {"hour": 12, "minute": 34}
